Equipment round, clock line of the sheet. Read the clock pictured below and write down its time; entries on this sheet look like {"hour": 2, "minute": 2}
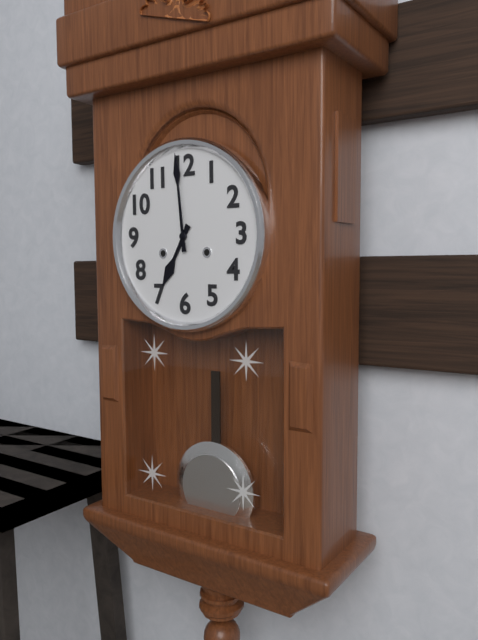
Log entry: {"hour": 6, "minute": 59}
